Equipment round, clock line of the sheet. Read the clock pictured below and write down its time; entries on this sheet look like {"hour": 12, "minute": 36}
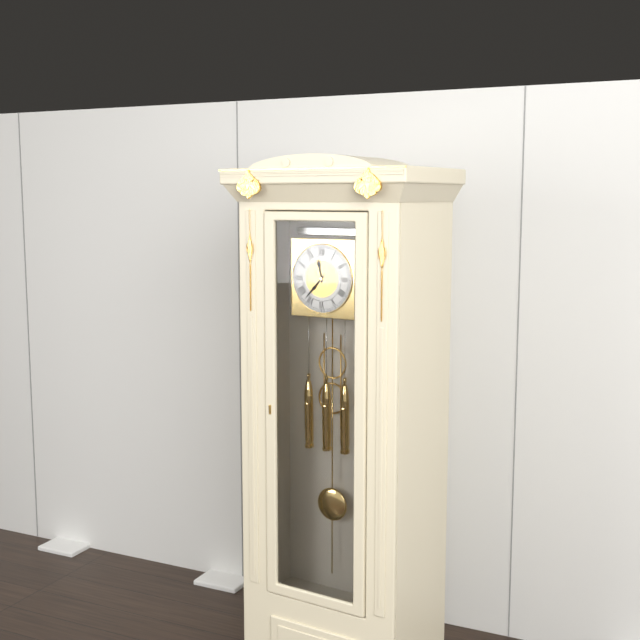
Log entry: {"hour": 11, "minute": 37}
